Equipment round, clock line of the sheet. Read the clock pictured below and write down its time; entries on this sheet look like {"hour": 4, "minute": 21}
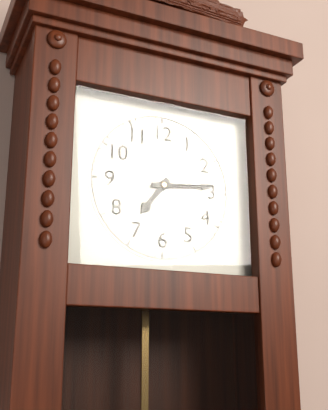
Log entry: {"hour": 7, "minute": 14}
